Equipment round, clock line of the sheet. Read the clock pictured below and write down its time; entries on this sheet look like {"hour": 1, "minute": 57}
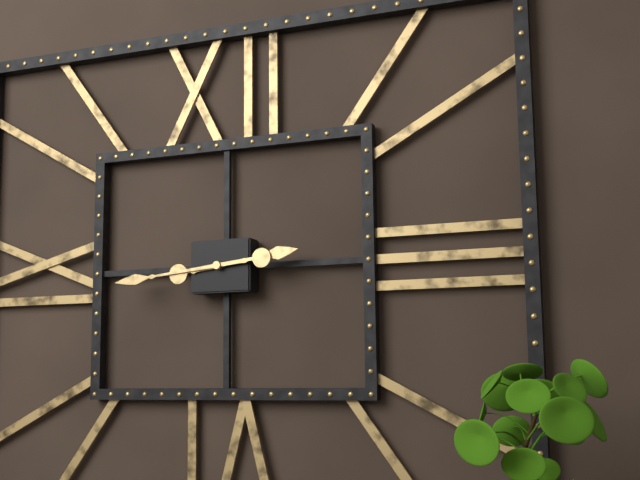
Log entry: {"hour": 2, "minute": 44}
